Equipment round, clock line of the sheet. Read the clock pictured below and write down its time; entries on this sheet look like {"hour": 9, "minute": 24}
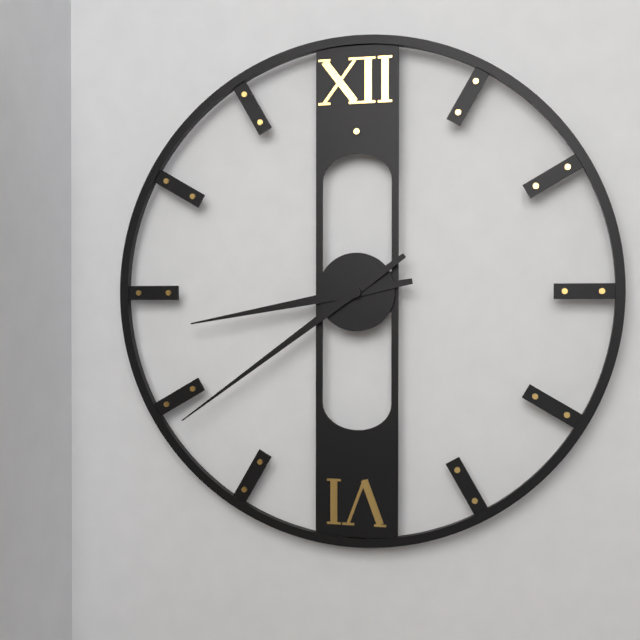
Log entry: {"hour": 8, "minute": 39}
